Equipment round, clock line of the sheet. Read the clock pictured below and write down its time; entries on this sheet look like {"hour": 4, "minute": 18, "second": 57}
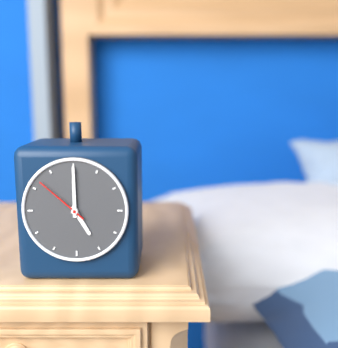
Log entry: {"hour": 5, "minute": 0, "second": 52}
